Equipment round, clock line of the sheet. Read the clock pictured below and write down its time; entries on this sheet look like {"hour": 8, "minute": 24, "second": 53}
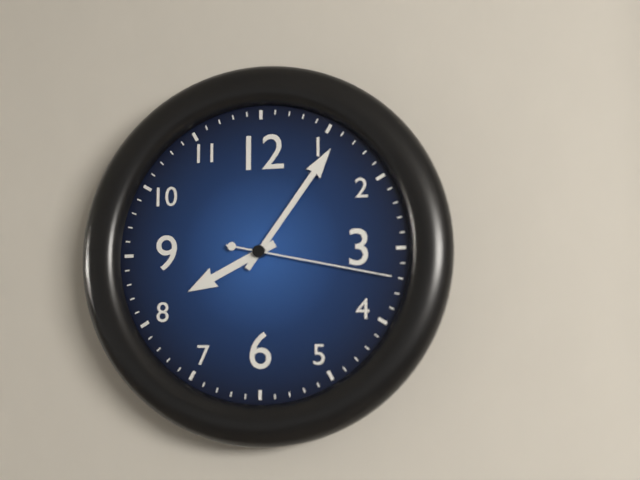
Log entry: {"hour": 8, "minute": 6, "second": 17}
